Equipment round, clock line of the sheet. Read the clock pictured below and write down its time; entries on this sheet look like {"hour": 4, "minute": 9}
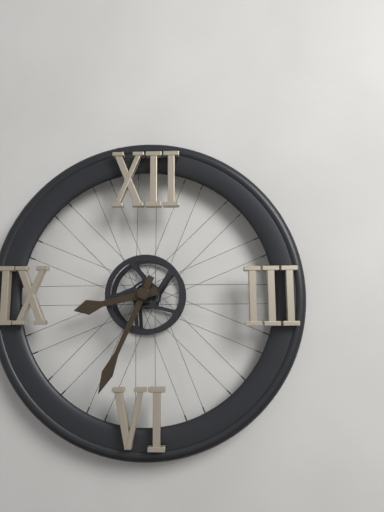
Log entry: {"hour": 8, "minute": 34}
